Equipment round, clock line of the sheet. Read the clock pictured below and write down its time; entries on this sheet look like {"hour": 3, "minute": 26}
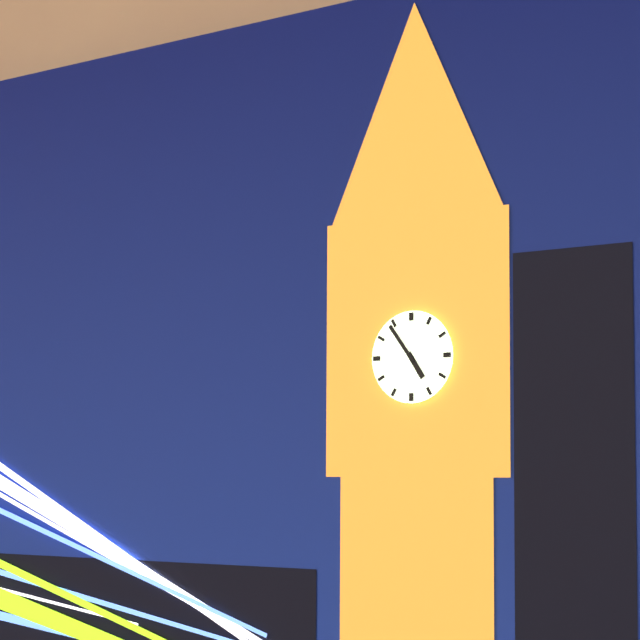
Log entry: {"hour": 4, "minute": 54}
